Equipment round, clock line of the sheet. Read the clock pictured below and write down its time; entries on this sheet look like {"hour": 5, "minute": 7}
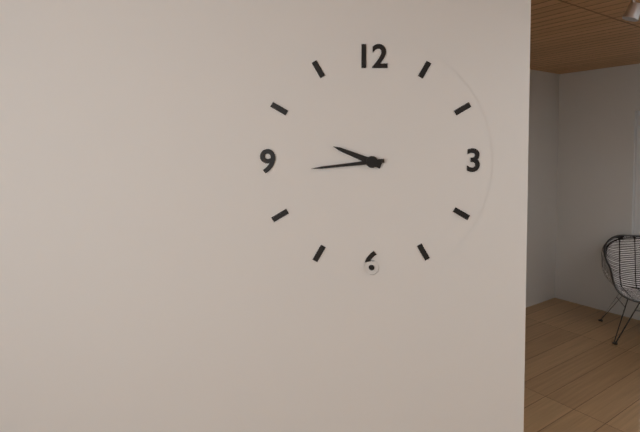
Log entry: {"hour": 9, "minute": 44}
